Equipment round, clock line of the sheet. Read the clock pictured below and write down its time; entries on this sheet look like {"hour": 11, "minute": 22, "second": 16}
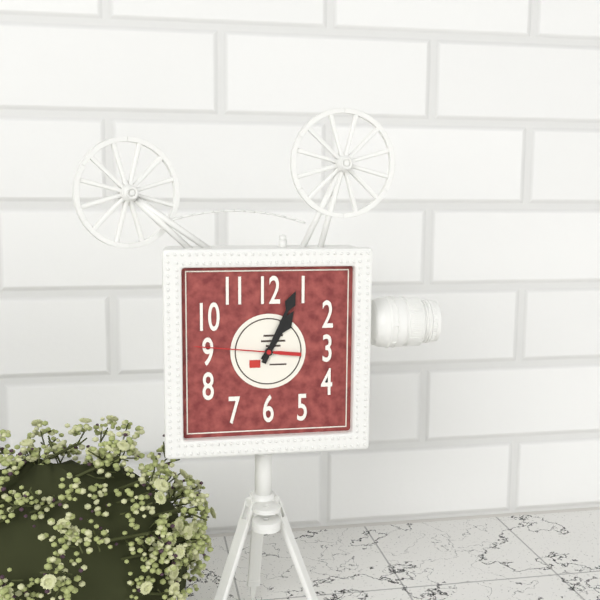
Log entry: {"hour": 1, "minute": 4, "second": 46}
